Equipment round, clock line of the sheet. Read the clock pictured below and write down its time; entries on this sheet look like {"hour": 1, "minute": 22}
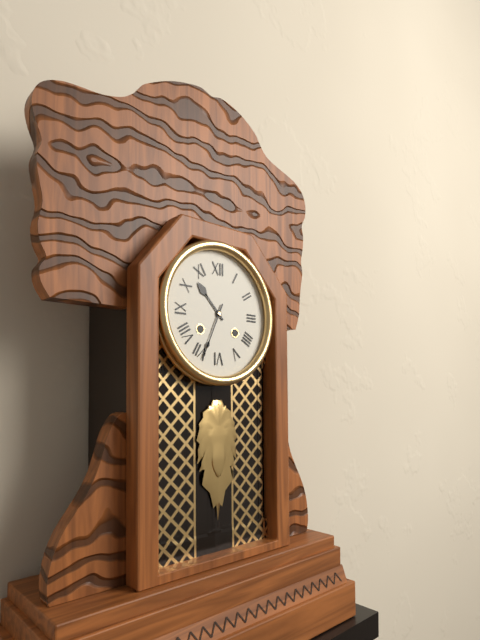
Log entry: {"hour": 10, "minute": 34}
